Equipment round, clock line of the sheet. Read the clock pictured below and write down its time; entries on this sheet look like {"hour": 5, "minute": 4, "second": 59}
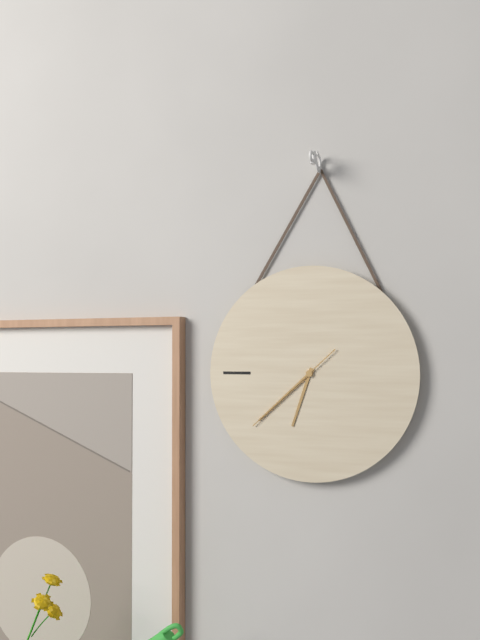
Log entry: {"hour": 6, "minute": 38, "second": 38}
